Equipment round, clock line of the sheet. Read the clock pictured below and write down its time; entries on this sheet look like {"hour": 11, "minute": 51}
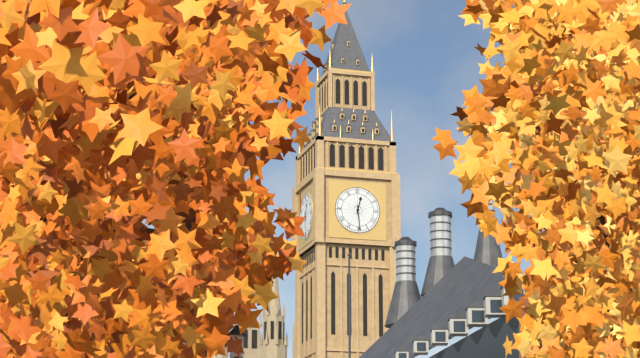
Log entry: {"hour": 12, "minute": 29}
